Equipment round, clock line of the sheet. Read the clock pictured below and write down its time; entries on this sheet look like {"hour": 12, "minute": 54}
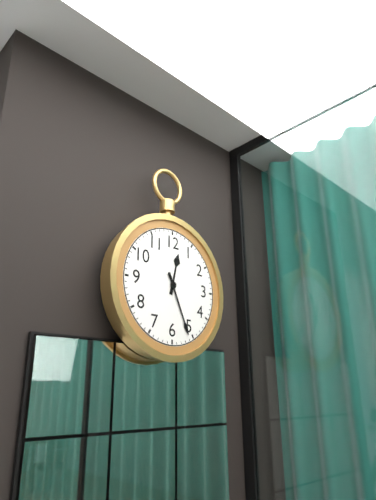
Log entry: {"hour": 12, "minute": 26}
